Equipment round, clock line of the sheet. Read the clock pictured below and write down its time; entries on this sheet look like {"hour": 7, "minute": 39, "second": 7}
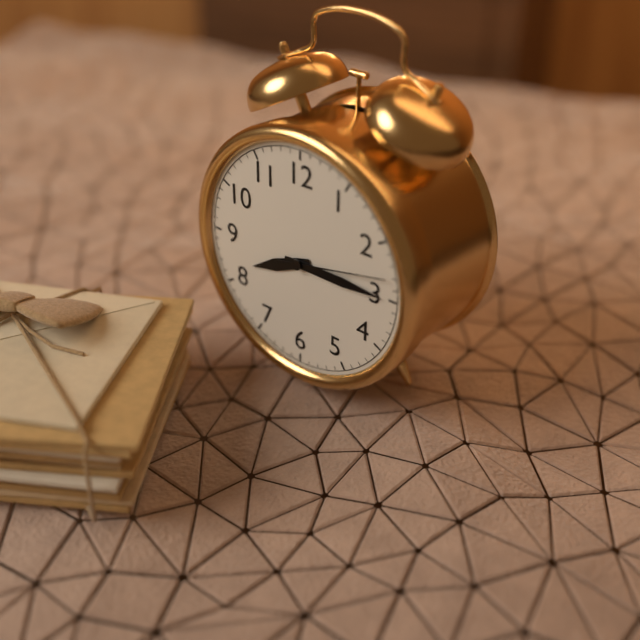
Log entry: {"hour": 8, "minute": 15, "second": 13}
